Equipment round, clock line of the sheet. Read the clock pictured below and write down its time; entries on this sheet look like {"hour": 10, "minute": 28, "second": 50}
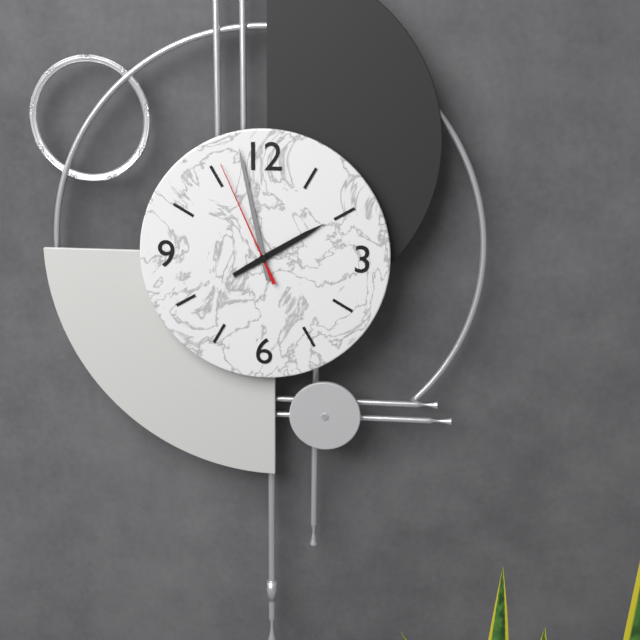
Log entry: {"hour": 1, "minute": 58, "second": 56}
